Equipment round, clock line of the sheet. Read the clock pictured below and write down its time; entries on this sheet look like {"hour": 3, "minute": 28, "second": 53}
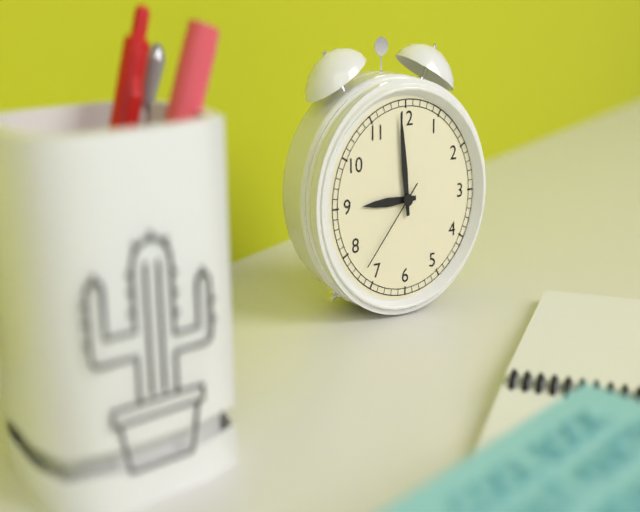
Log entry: {"hour": 8, "minute": 59, "second": 37}
